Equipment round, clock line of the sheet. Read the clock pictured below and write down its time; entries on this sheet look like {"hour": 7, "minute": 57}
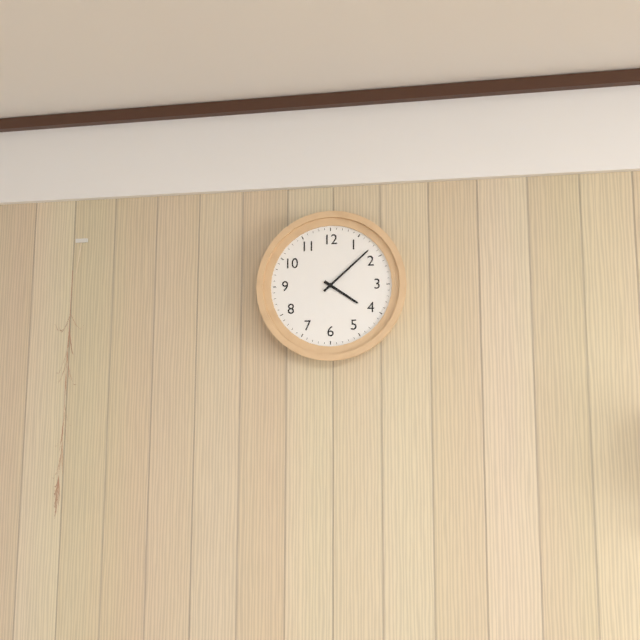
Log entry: {"hour": 4, "minute": 8}
